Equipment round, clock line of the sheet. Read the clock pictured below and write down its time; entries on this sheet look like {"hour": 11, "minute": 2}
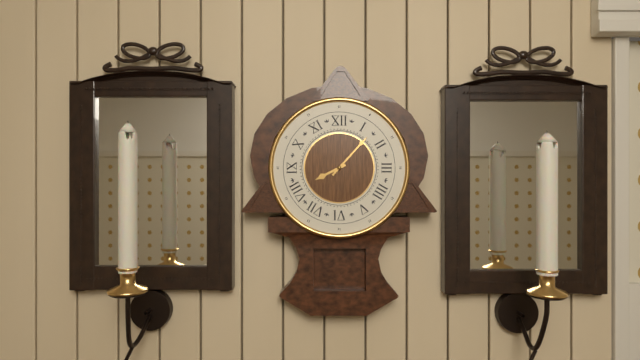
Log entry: {"hour": 8, "minute": 7}
